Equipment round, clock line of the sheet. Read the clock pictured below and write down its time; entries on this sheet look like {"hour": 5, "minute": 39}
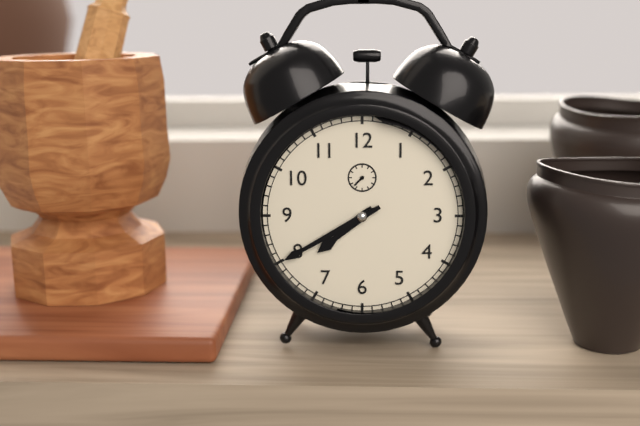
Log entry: {"hour": 7, "minute": 40}
